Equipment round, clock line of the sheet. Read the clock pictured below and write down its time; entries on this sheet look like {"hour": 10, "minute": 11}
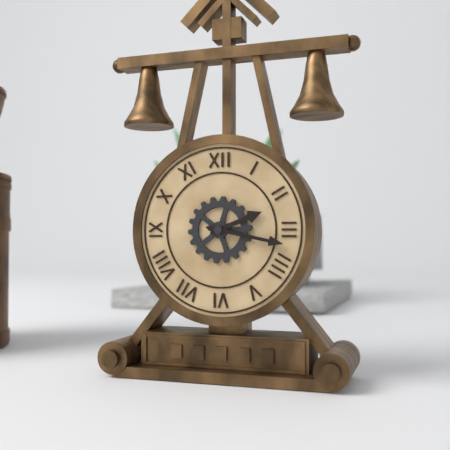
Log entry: {"hour": 2, "minute": 17}
